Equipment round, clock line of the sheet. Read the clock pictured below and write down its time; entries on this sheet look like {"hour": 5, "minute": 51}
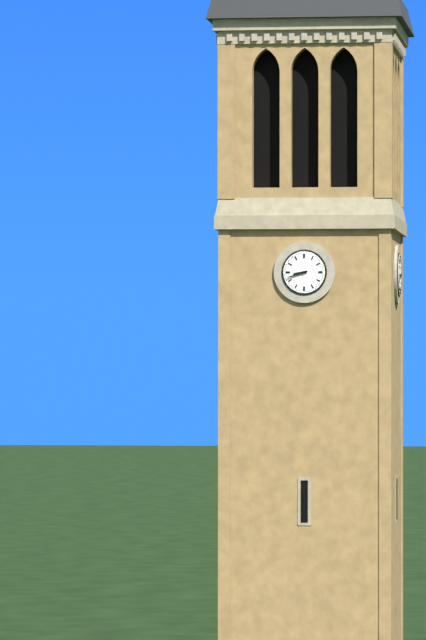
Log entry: {"hour": 8, "minute": 42}
